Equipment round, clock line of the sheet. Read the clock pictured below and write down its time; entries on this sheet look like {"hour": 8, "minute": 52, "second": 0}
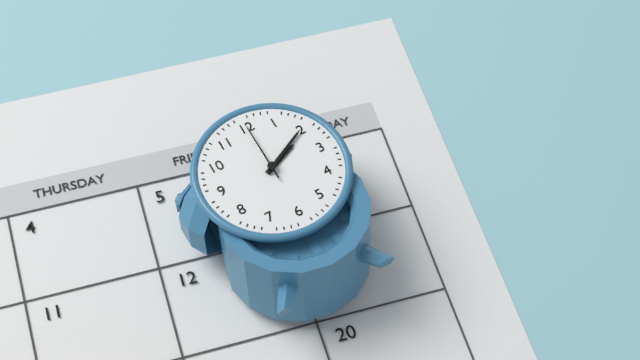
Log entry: {"hour": 2, "minute": 10, "second": 0}
